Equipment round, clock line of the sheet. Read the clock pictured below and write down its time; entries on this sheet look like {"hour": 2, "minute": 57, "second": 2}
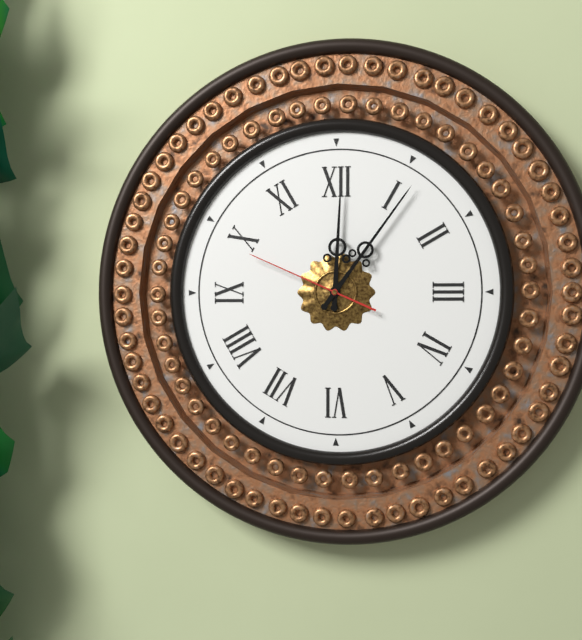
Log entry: {"hour": 12, "minute": 6, "second": 49}
